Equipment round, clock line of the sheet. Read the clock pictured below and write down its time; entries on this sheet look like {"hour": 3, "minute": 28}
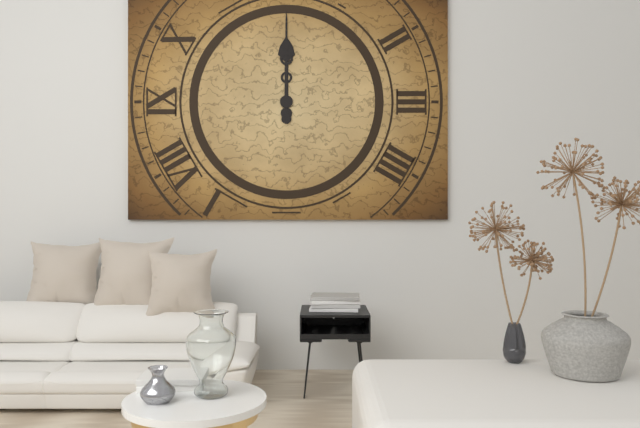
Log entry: {"hour": 12, "minute": 0}
